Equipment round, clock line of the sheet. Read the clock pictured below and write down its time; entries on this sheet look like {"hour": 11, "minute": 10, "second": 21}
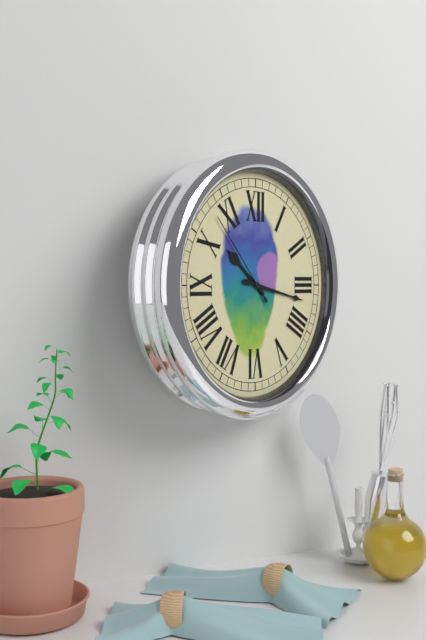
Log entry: {"hour": 10, "minute": 17, "second": 53}
